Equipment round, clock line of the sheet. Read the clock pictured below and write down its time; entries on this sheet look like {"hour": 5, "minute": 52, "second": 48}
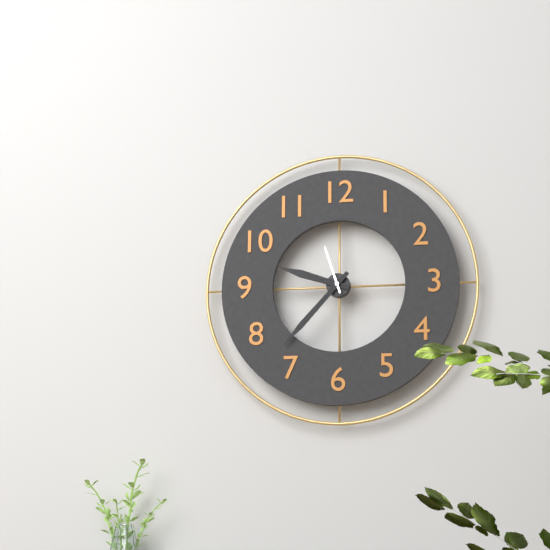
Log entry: {"hour": 9, "minute": 37, "second": 57}
